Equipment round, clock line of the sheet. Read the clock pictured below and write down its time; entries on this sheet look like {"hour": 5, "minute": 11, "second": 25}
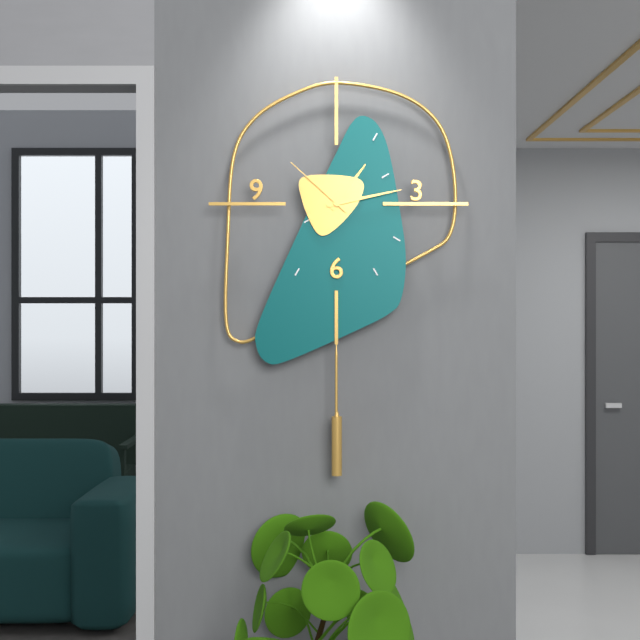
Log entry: {"hour": 1, "minute": 13, "second": 52}
